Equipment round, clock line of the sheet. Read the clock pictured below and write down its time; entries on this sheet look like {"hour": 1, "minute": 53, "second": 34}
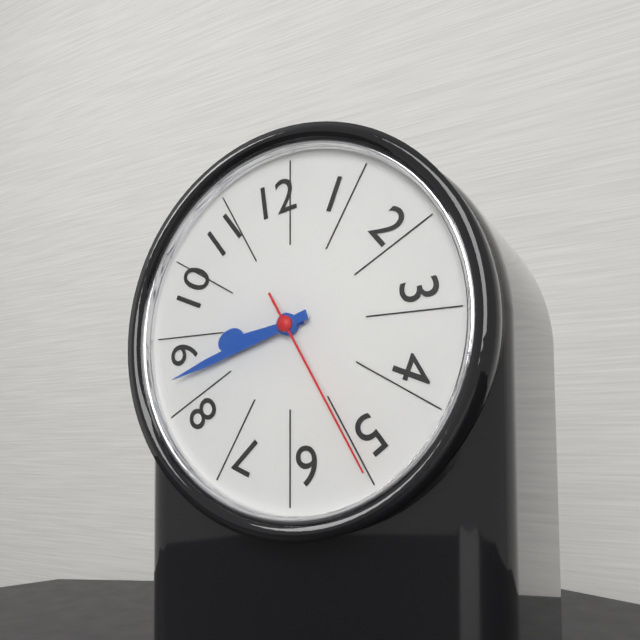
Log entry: {"hour": 8, "minute": 42, "second": 25}
